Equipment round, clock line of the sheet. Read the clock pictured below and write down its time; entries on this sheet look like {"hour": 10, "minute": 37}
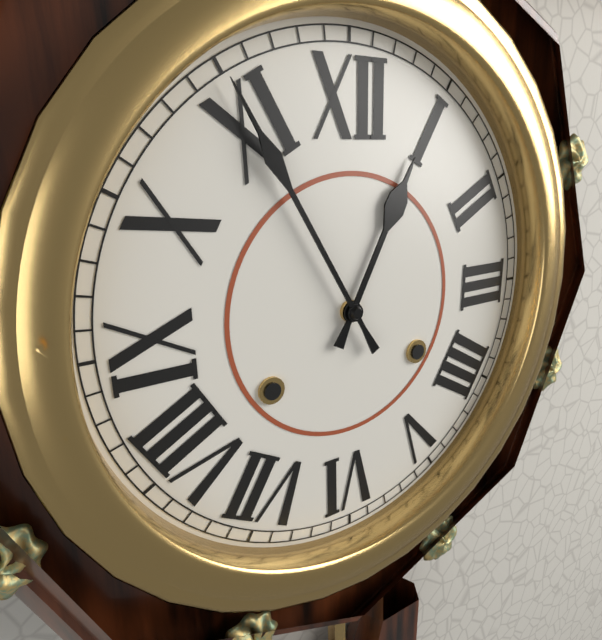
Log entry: {"hour": 12, "minute": 55}
